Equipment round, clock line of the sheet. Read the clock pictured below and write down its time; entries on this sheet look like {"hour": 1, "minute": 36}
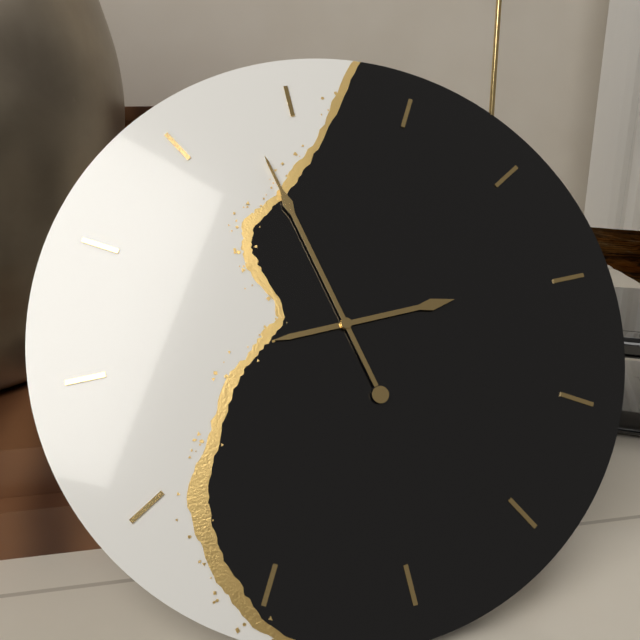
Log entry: {"hour": 2, "minute": 58}
